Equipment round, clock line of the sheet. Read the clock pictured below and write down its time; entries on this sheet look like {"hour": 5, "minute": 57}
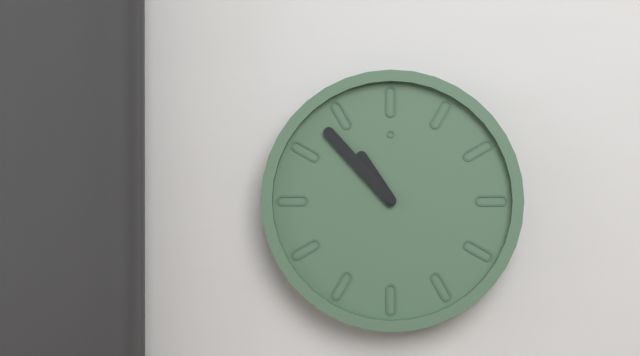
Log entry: {"hour": 10, "minute": 53}
